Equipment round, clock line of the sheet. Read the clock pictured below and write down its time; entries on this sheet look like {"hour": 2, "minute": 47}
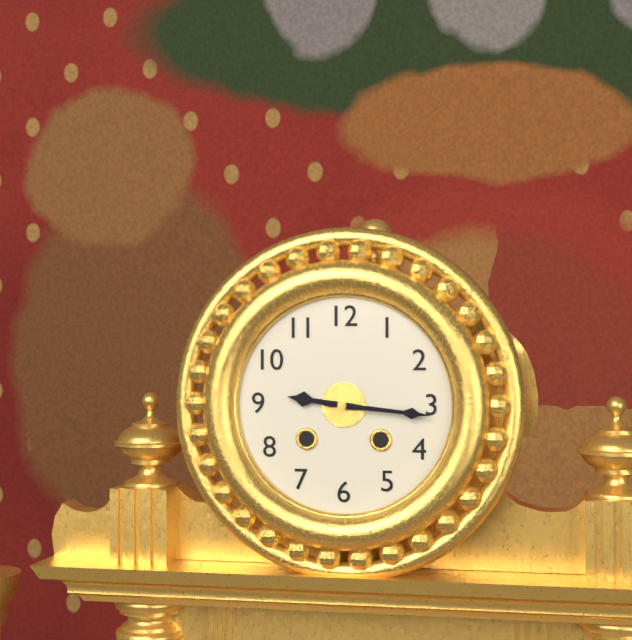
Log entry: {"hour": 9, "minute": 16}
